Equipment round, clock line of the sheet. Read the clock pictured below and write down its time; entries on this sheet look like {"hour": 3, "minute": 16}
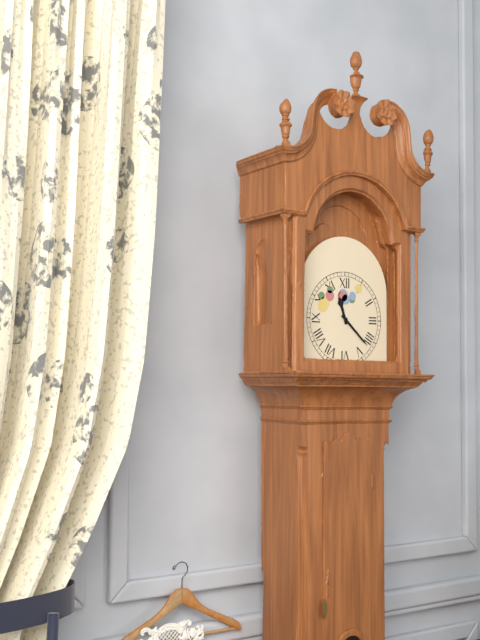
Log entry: {"hour": 11, "minute": 22}
